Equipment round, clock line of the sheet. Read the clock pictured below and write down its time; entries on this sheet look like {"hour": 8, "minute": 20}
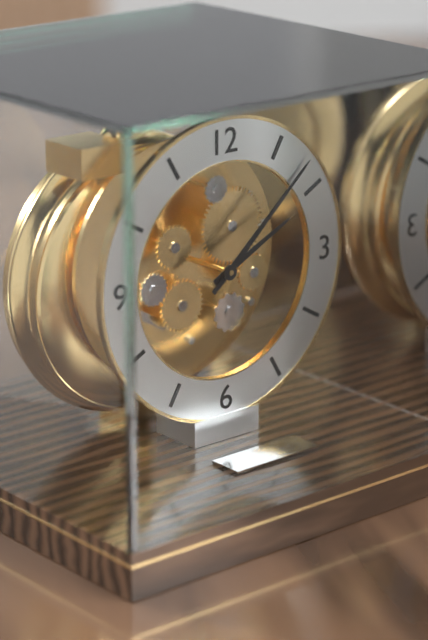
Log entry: {"hour": 2, "minute": 8}
